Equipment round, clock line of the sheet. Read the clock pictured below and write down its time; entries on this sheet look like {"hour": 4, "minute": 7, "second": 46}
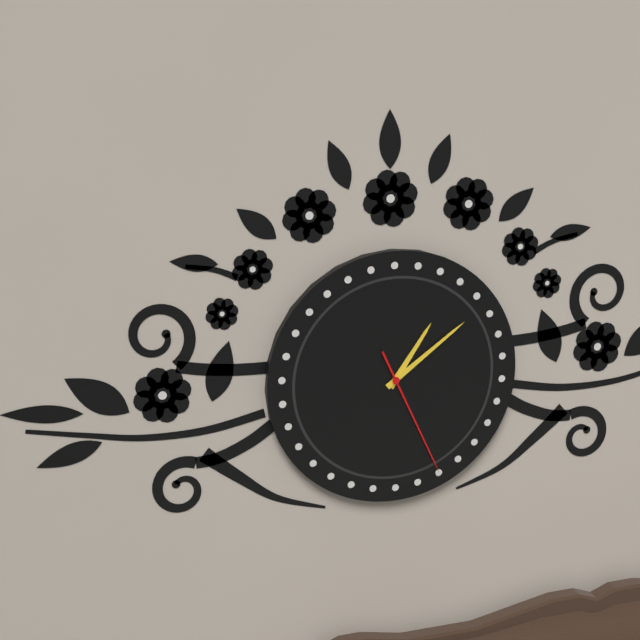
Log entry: {"hour": 1, "minute": 9, "second": 26}
